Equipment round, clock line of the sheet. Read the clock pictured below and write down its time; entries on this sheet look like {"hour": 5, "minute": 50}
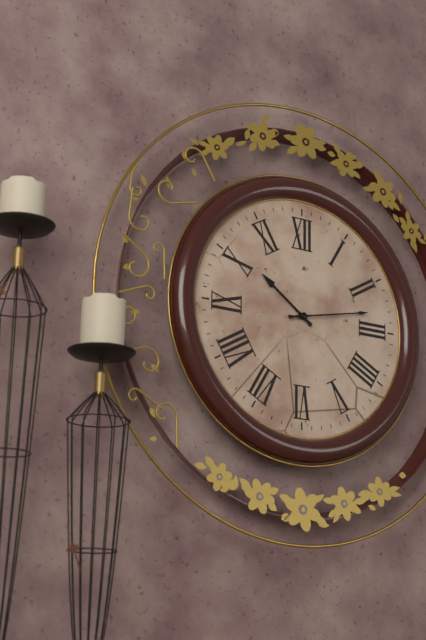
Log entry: {"hour": 10, "minute": 13}
